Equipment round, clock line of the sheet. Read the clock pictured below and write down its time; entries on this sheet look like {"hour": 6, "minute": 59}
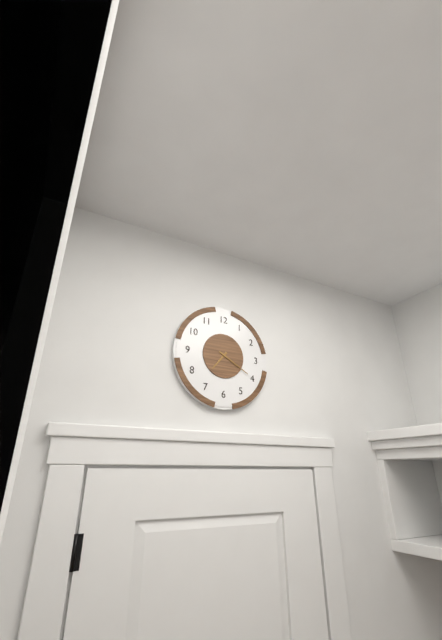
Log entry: {"hour": 7, "minute": 20}
